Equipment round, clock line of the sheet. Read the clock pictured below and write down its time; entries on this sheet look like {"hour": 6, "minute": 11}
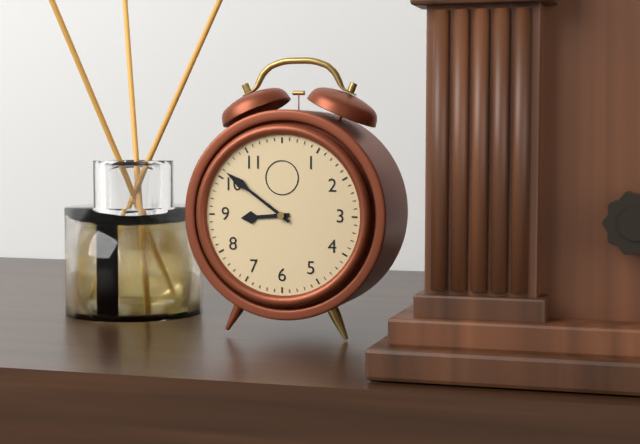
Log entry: {"hour": 8, "minute": 51}
